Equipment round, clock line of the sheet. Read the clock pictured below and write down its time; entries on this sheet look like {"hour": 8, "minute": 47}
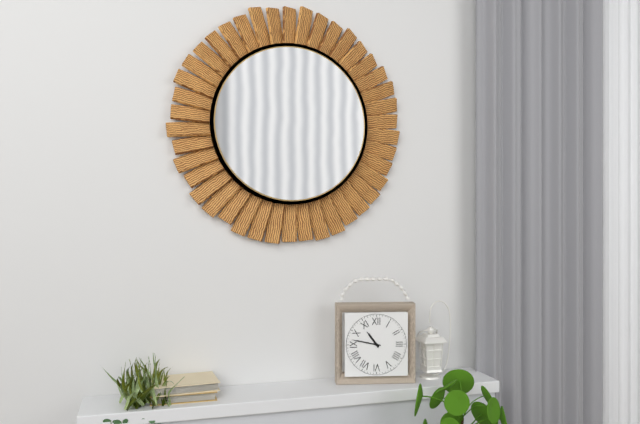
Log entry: {"hour": 10, "minute": 47}
